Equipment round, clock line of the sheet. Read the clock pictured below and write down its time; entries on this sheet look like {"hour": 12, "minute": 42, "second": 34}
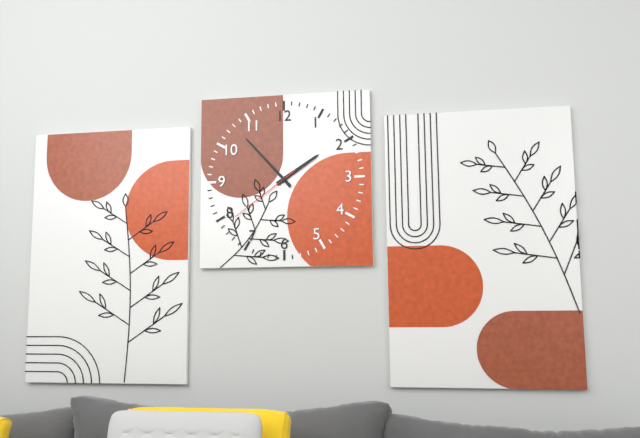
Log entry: {"hour": 1, "minute": 53, "second": 39}
